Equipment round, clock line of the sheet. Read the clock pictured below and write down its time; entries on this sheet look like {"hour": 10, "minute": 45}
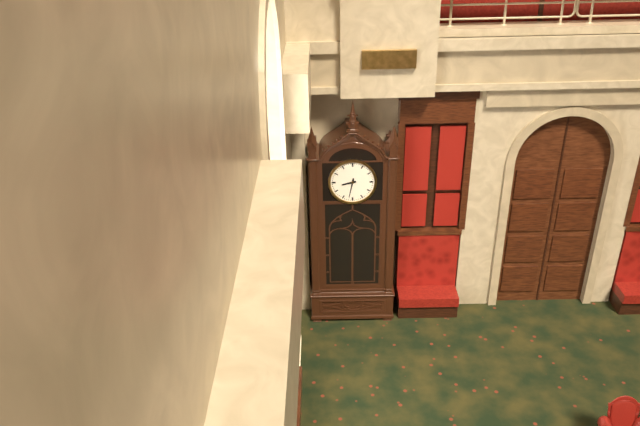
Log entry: {"hour": 8, "minute": 32}
